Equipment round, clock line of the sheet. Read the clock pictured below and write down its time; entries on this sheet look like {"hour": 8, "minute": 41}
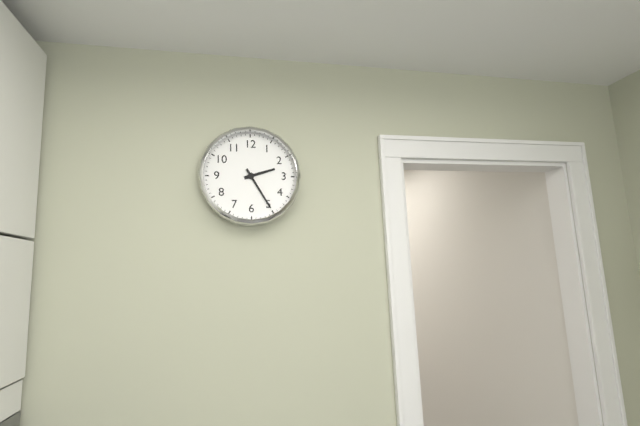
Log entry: {"hour": 2, "minute": 25}
